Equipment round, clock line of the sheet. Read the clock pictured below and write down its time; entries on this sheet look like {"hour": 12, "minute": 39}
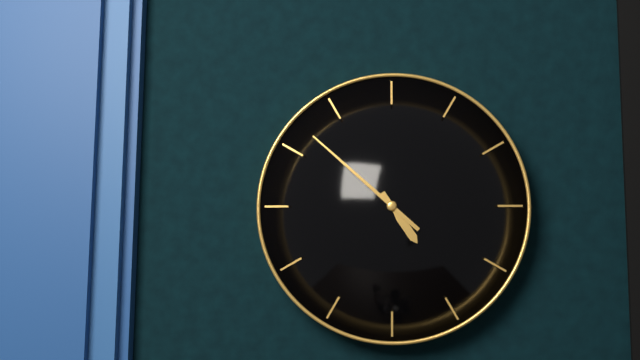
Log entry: {"hour": 4, "minute": 52}
